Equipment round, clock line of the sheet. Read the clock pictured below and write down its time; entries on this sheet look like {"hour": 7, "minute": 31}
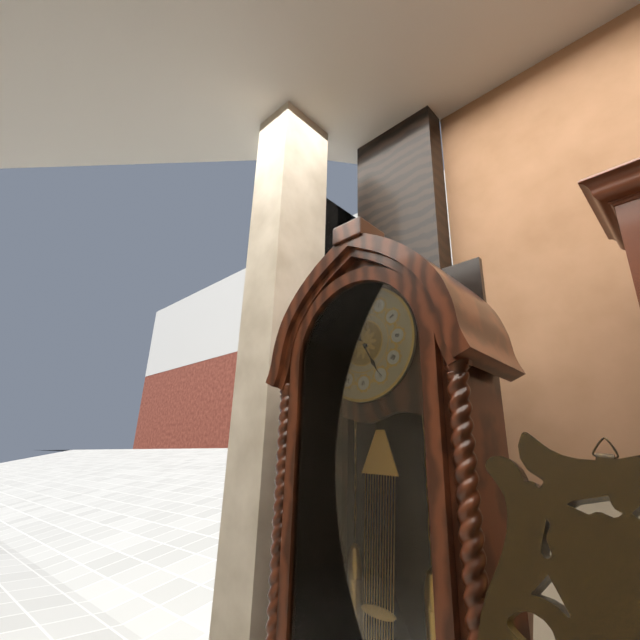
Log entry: {"hour": 10, "minute": 25}
